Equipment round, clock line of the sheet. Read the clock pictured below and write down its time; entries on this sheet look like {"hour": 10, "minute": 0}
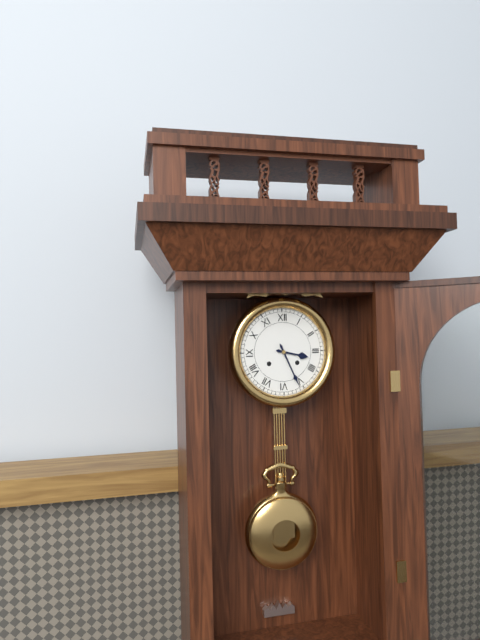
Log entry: {"hour": 3, "minute": 26}
